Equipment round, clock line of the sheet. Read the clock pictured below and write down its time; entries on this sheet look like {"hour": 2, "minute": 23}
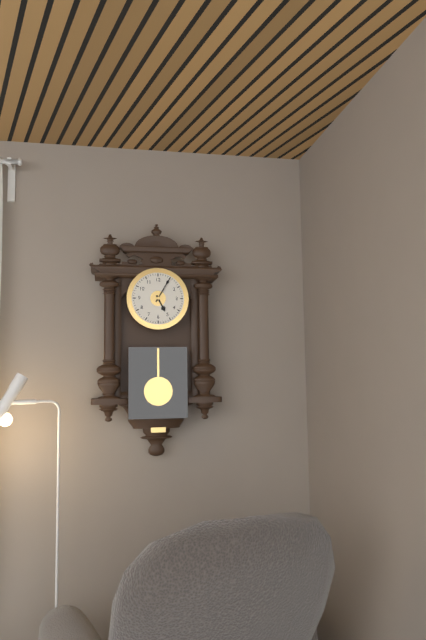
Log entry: {"hour": 5, "minute": 5}
